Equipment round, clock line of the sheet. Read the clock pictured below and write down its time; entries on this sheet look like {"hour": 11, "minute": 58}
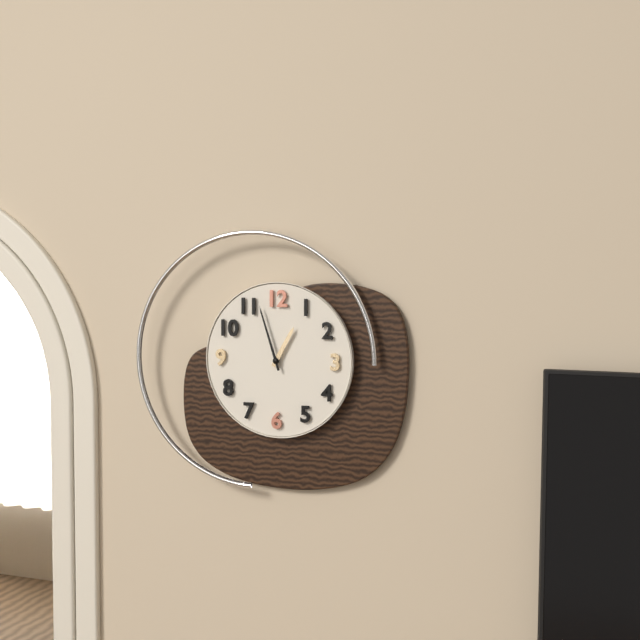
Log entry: {"hour": 12, "minute": 57}
